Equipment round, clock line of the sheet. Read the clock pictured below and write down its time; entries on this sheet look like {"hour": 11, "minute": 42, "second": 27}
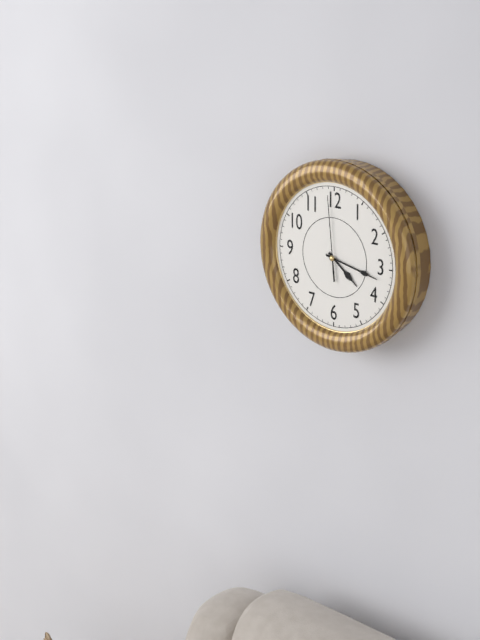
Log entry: {"hour": 4, "minute": 17, "second": 59}
